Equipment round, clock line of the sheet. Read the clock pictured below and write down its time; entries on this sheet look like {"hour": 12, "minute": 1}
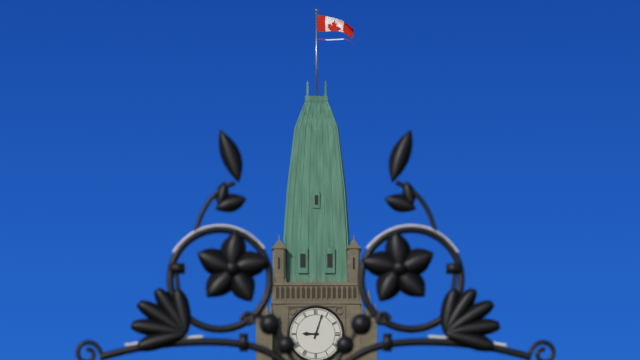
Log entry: {"hour": 9, "minute": 3}
